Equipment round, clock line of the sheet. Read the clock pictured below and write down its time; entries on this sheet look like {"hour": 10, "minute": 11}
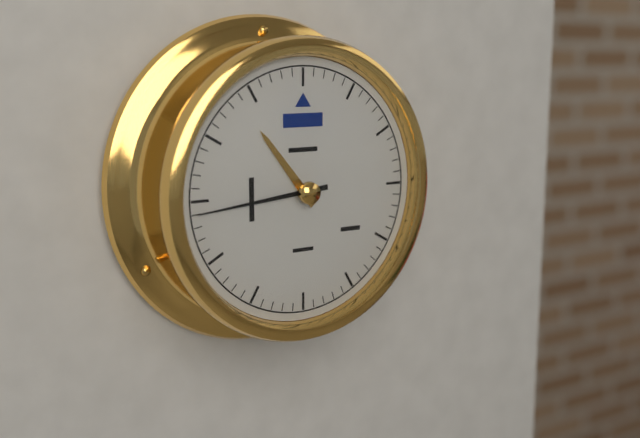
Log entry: {"hour": 10, "minute": 44}
